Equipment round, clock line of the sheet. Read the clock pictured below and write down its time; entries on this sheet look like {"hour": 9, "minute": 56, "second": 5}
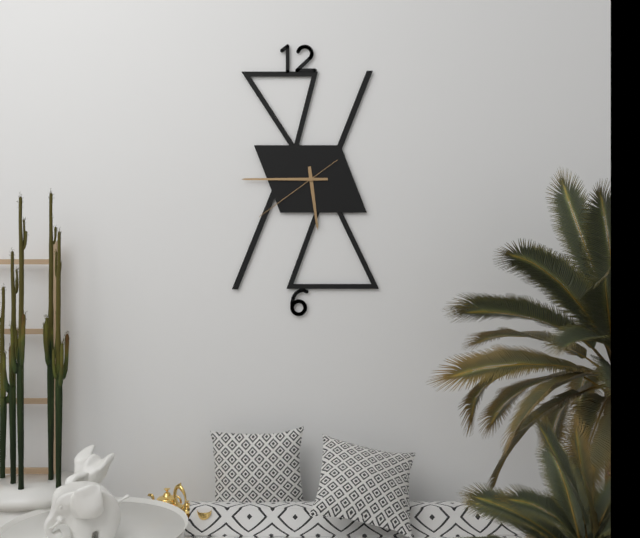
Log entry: {"hour": 5, "minute": 45, "second": 39}
